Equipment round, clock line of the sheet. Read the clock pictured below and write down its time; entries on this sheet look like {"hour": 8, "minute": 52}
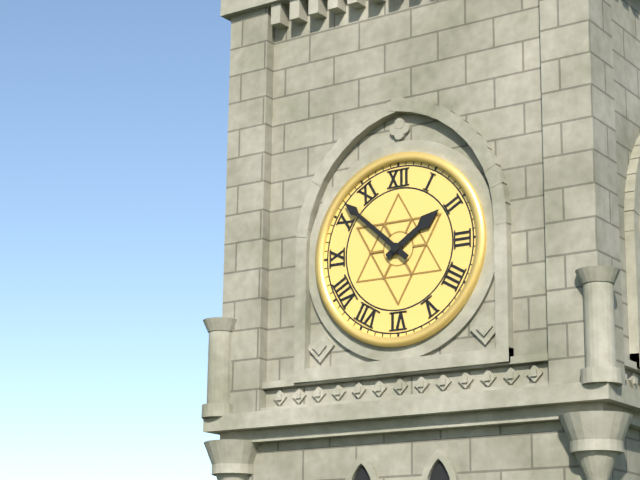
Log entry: {"hour": 1, "minute": 52}
